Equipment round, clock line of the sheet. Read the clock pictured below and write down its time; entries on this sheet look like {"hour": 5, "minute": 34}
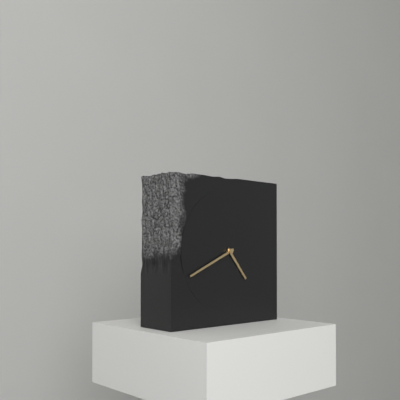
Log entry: {"hour": 4, "minute": 41}
